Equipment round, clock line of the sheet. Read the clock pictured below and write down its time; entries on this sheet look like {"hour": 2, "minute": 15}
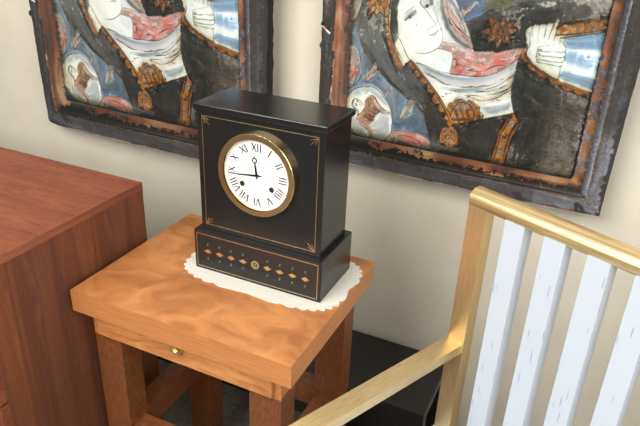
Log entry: {"hour": 11, "minute": 44}
